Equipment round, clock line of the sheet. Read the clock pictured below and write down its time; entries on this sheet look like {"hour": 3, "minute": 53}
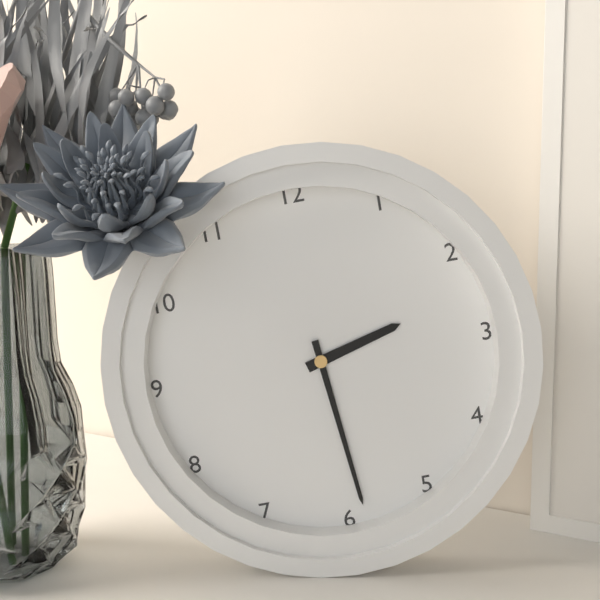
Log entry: {"hour": 2, "minute": 29}
